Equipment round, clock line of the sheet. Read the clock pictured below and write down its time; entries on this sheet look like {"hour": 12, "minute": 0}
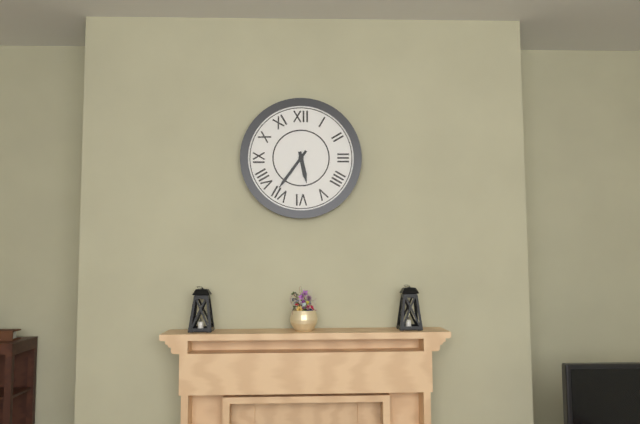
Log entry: {"hour": 5, "minute": 36}
